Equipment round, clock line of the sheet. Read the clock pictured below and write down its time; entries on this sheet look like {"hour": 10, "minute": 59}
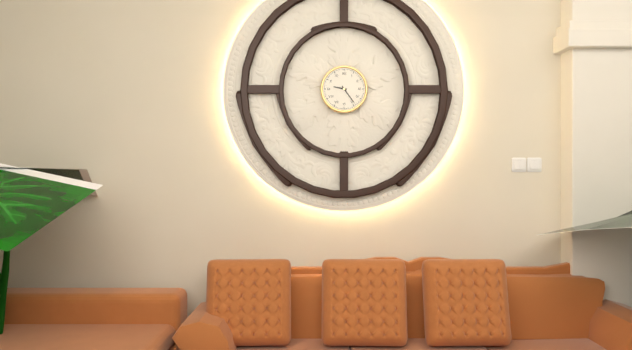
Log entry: {"hour": 9, "minute": 24}
